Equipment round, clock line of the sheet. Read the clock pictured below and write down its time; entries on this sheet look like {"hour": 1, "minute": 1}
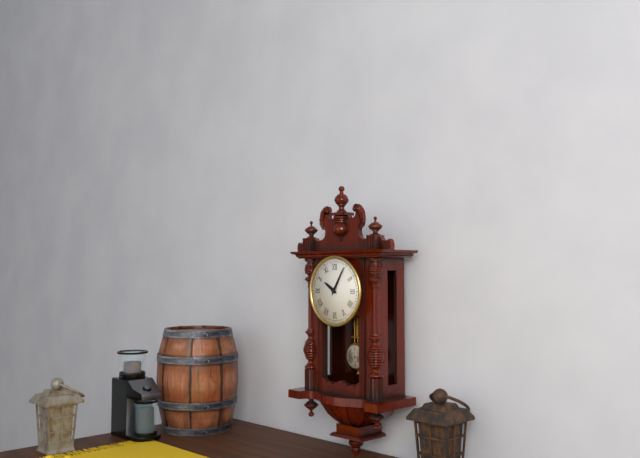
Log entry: {"hour": 10, "minute": 5}
